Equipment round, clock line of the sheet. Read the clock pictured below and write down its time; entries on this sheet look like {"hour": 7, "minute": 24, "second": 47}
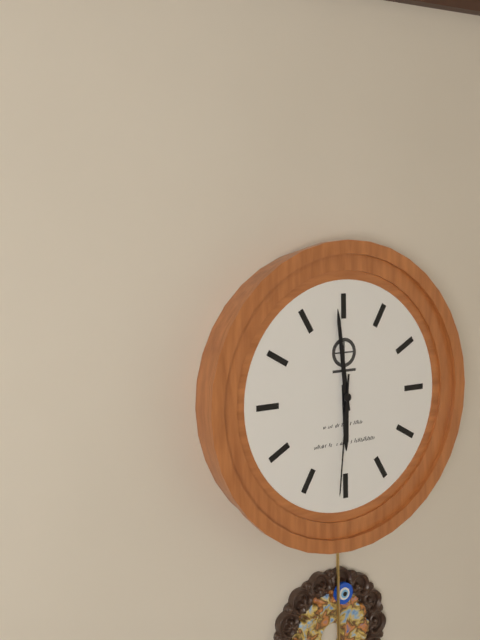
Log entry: {"hour": 5, "minute": 59, "second": 31}
